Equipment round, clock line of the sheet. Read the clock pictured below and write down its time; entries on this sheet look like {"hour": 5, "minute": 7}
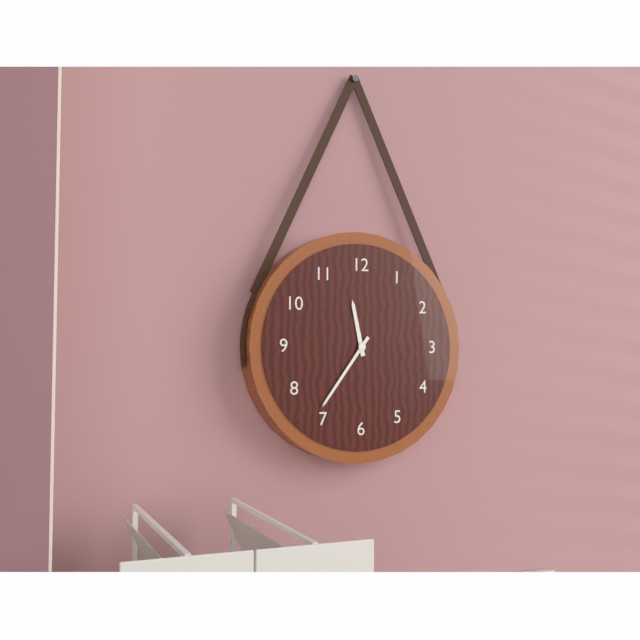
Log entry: {"hour": 11, "minute": 36}
